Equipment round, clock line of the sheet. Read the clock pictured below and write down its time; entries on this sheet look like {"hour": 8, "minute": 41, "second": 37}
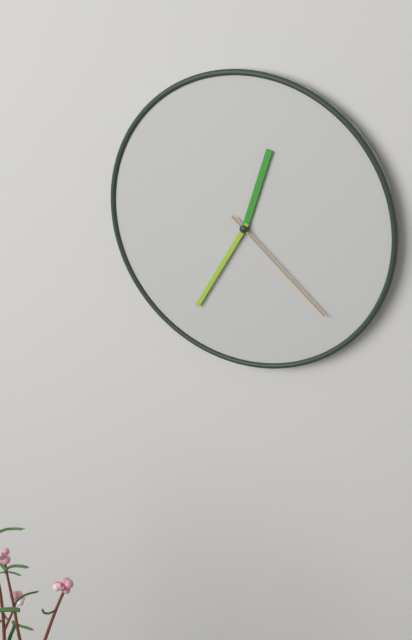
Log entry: {"hour": 12, "minute": 35, "second": 22}
